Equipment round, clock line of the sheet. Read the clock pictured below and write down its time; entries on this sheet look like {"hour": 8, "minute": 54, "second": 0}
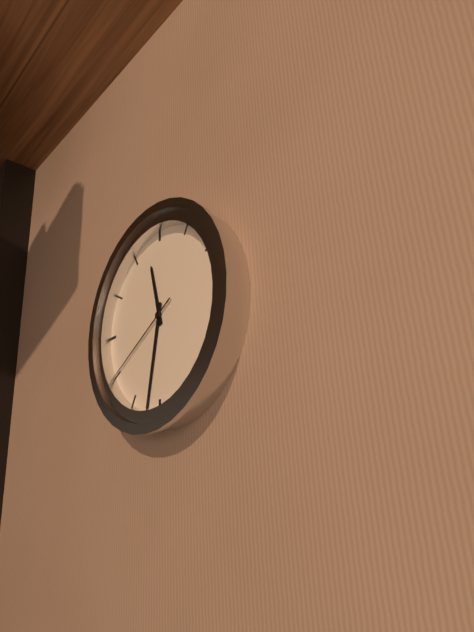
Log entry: {"hour": 11, "minute": 32, "second": 40}
